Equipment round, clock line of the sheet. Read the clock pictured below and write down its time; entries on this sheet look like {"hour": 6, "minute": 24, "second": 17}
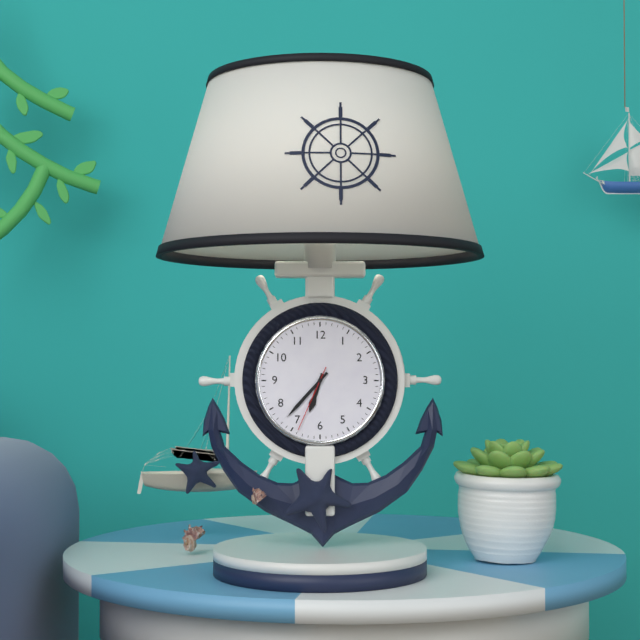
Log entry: {"hour": 6, "minute": 37, "second": 34}
